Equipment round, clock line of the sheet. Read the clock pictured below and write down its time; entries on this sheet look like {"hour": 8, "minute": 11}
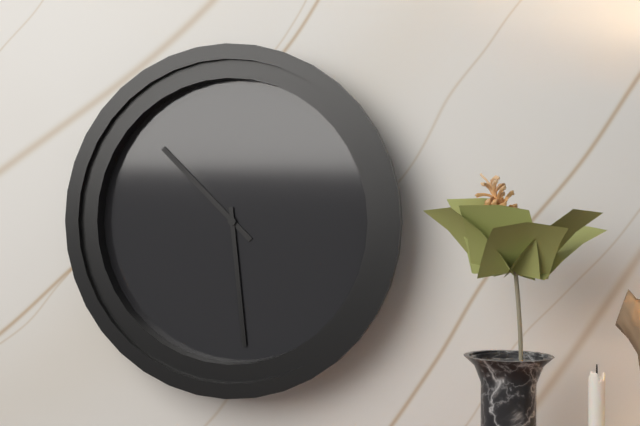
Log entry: {"hour": 10, "minute": 29}
